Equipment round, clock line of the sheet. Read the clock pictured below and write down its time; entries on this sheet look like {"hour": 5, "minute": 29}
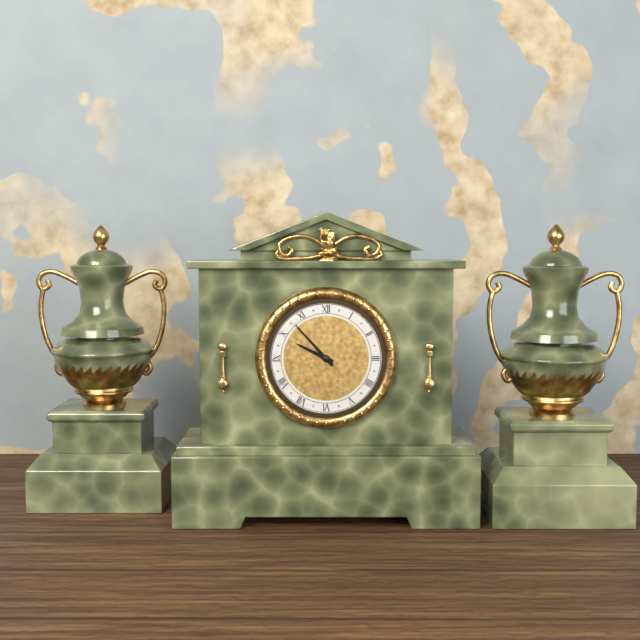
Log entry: {"hour": 9, "minute": 53}
